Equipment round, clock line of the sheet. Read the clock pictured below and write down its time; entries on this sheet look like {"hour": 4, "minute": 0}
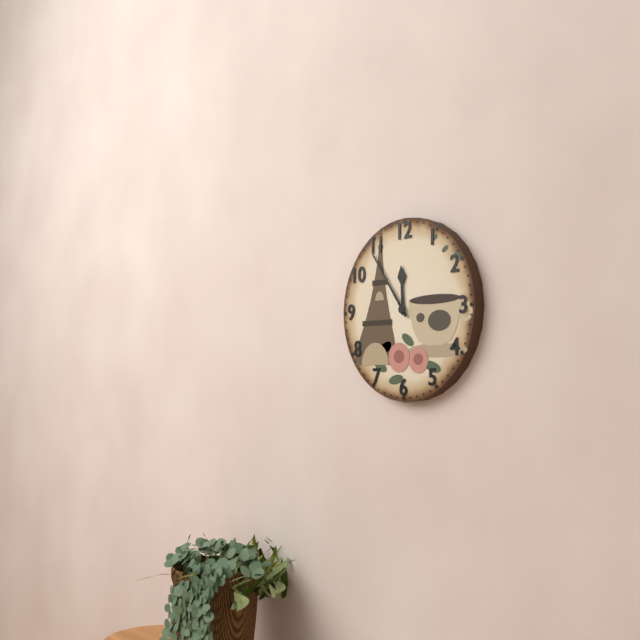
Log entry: {"hour": 11, "minute": 54}
